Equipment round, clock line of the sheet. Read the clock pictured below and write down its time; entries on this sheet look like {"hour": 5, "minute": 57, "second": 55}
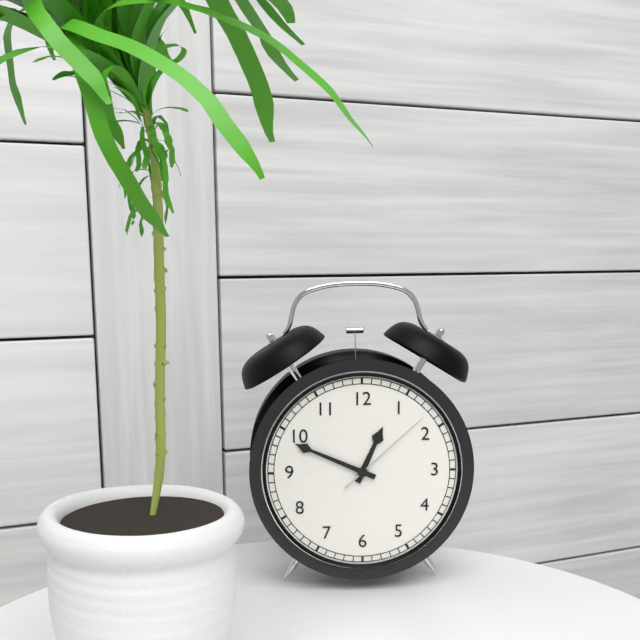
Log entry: {"hour": 12, "minute": 49, "second": 8}
